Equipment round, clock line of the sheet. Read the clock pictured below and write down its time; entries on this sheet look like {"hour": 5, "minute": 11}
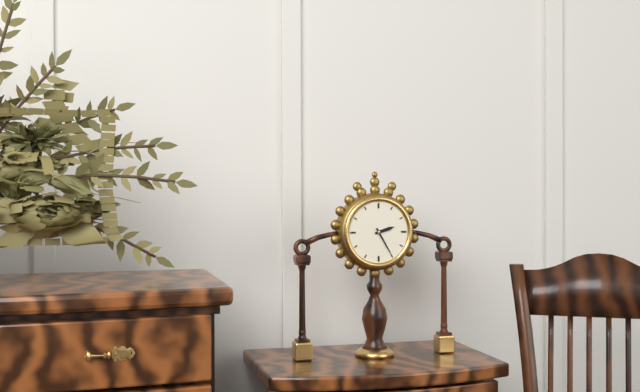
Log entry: {"hour": 2, "minute": 25}
